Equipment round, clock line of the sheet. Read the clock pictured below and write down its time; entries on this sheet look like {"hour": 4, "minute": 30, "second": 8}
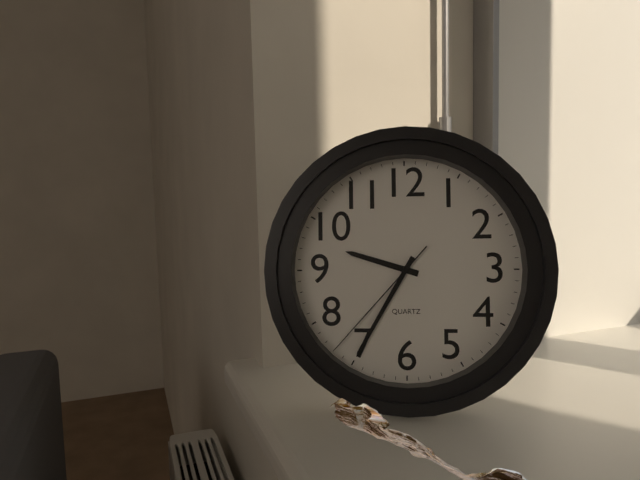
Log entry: {"hour": 9, "minute": 35, "second": 37}
